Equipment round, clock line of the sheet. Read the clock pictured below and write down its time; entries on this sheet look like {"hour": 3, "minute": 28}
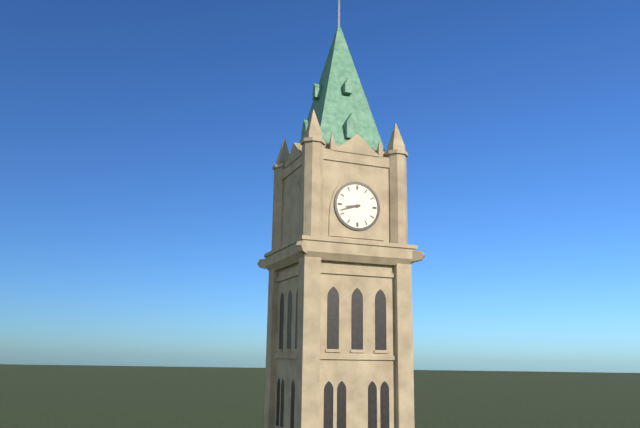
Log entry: {"hour": 8, "minute": 42}
